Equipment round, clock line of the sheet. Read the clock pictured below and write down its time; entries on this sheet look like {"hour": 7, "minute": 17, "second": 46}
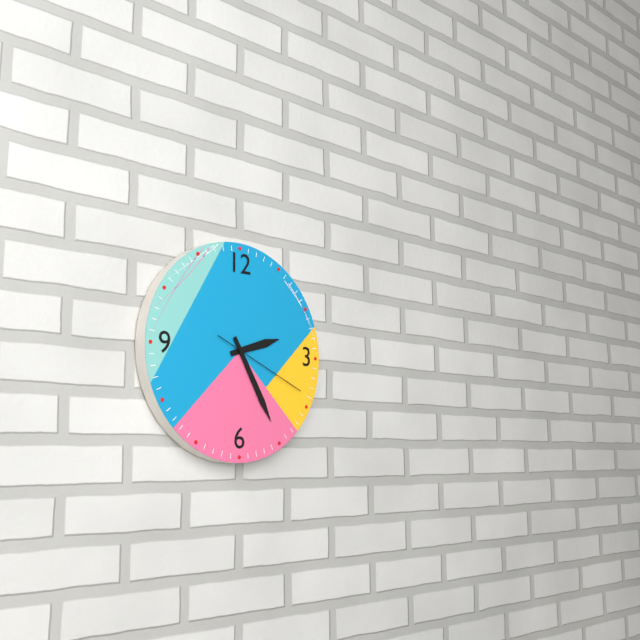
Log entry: {"hour": 2, "minute": 25, "second": 19}
